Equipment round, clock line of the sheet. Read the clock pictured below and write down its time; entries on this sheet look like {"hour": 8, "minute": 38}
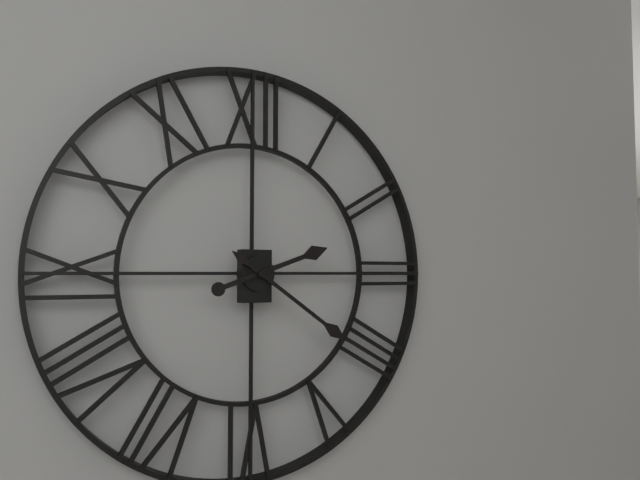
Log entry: {"hour": 2, "minute": 21}
